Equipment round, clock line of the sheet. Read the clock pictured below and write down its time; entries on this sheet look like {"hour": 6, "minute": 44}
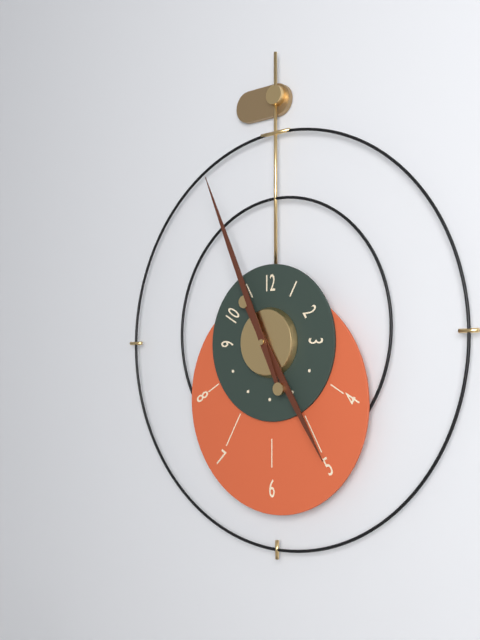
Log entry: {"hour": 4, "minute": 56}
